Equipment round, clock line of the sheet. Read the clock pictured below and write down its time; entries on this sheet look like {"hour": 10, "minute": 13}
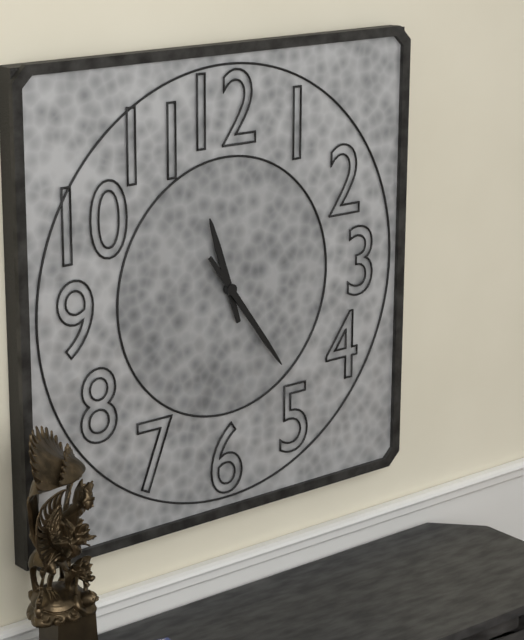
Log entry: {"hour": 11, "minute": 24}
